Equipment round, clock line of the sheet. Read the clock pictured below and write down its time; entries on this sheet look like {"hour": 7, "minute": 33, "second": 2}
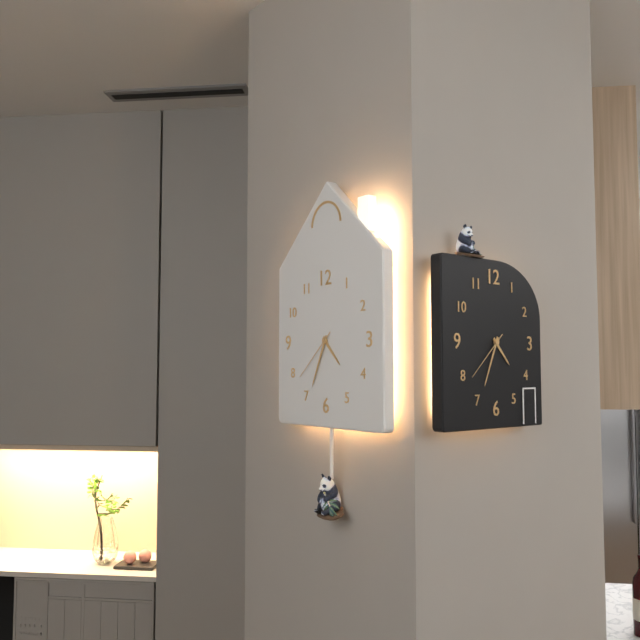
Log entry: {"hour": 4, "minute": 34, "second": 38}
